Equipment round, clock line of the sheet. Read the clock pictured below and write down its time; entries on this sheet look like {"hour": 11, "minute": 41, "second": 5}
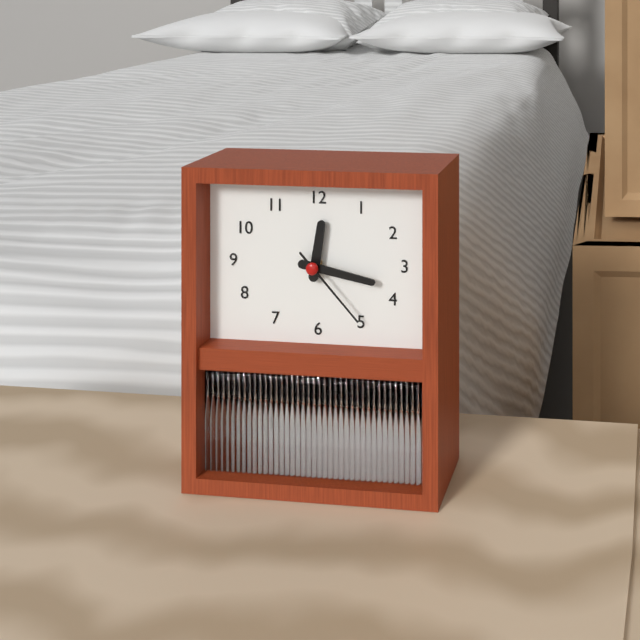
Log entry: {"hour": 12, "minute": 17, "second": 23}
